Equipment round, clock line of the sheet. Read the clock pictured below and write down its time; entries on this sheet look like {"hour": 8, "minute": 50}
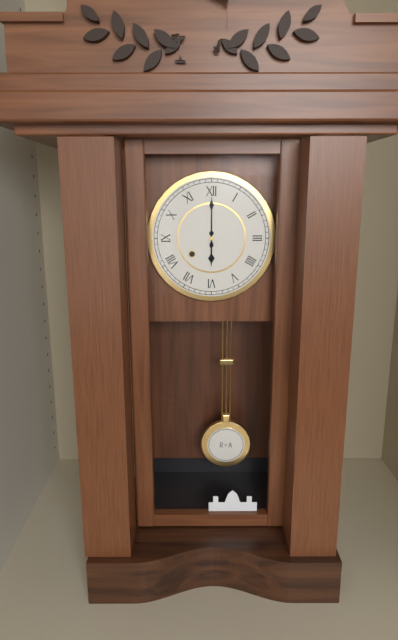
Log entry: {"hour": 6, "minute": 0}
